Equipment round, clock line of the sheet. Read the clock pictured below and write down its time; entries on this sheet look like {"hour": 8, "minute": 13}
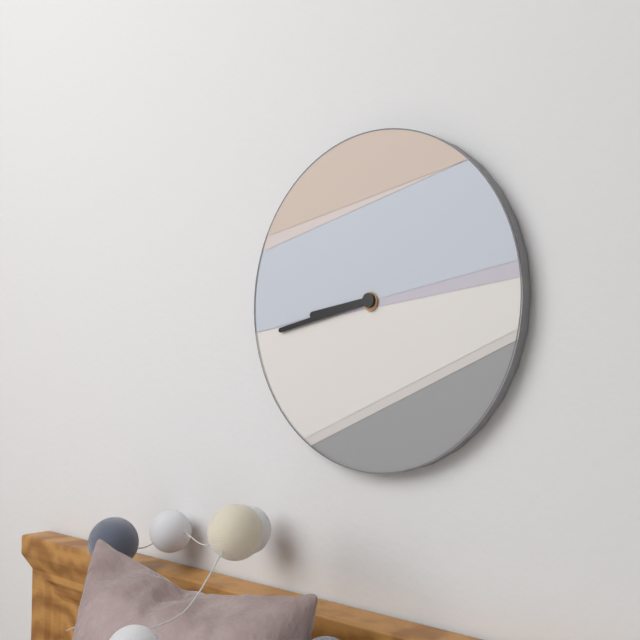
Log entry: {"hour": 8, "minute": 43}
